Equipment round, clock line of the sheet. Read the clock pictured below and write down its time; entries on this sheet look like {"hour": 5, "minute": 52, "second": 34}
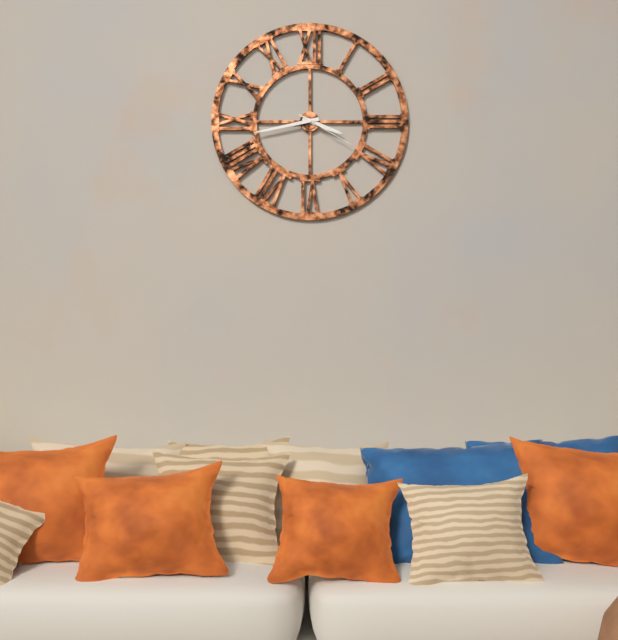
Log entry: {"hour": 3, "minute": 43, "second": 20}
